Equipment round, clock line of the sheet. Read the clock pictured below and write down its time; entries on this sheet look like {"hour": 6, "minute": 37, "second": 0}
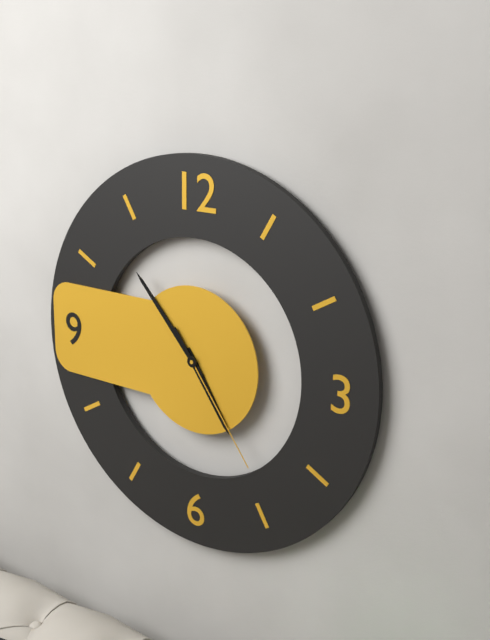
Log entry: {"hour": 4, "minute": 53, "second": 24}
